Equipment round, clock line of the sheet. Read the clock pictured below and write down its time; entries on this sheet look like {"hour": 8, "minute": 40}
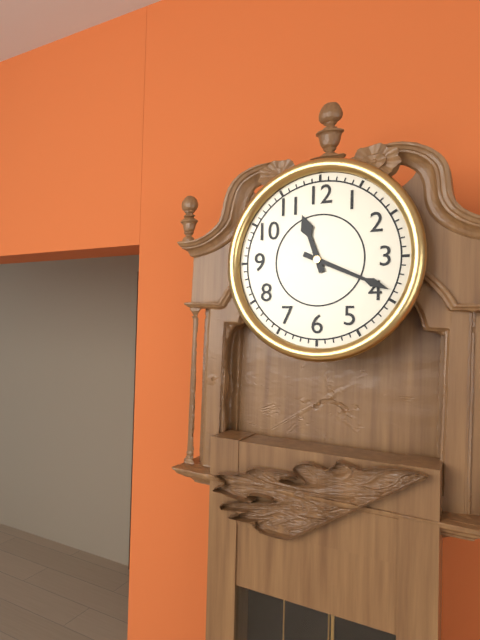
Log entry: {"hour": 11, "minute": 19}
